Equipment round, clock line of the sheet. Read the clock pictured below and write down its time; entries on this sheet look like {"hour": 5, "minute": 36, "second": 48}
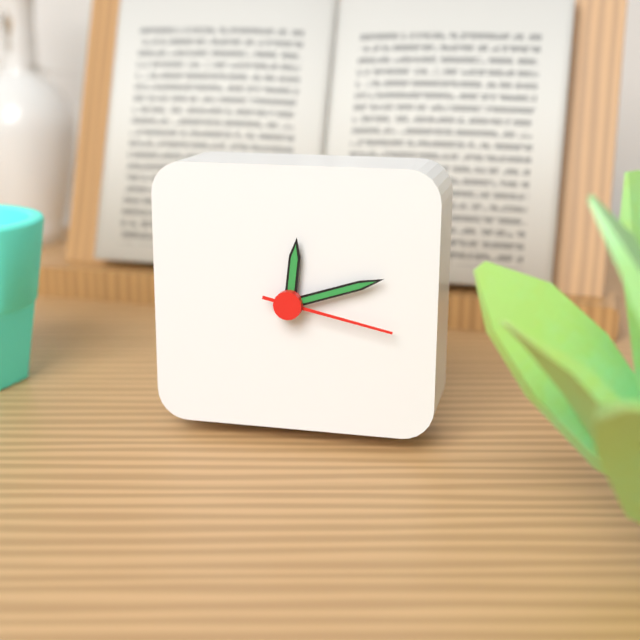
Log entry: {"hour": 12, "minute": 12, "second": 17}
